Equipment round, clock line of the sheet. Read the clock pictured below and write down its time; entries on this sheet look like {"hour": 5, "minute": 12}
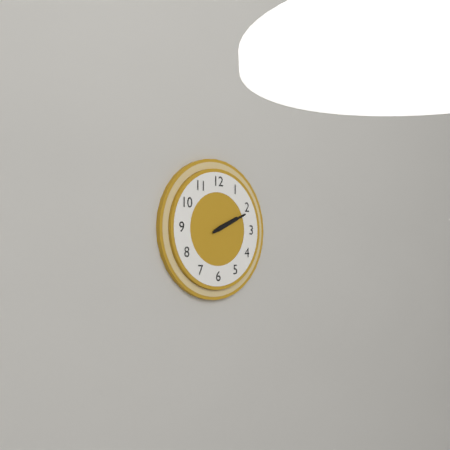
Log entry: {"hour": 2, "minute": 11}
